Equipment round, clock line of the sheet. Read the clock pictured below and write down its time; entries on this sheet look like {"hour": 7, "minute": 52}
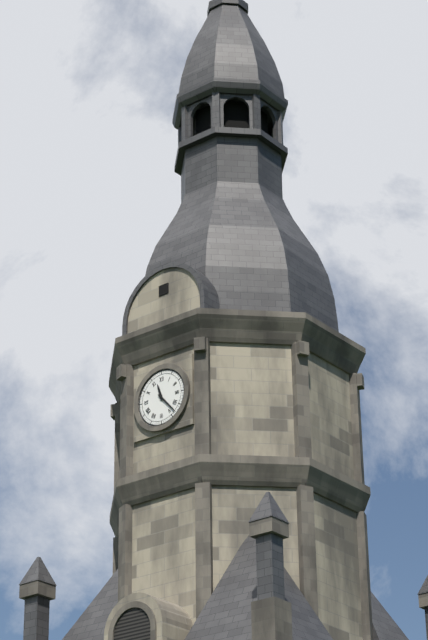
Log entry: {"hour": 11, "minute": 23}
